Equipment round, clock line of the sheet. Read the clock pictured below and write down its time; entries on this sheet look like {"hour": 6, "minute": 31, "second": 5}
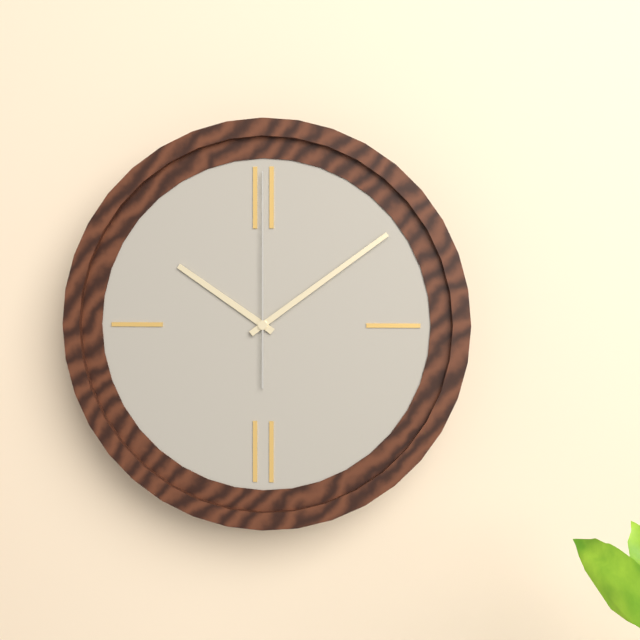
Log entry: {"hour": 10, "minute": 9, "second": 0}
